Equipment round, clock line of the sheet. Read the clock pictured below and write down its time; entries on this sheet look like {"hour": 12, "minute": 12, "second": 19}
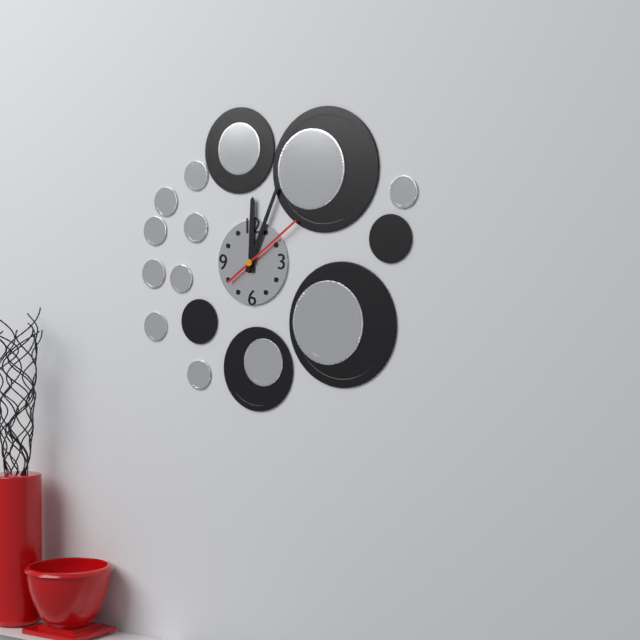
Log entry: {"hour": 12, "minute": 4, "second": 9}
